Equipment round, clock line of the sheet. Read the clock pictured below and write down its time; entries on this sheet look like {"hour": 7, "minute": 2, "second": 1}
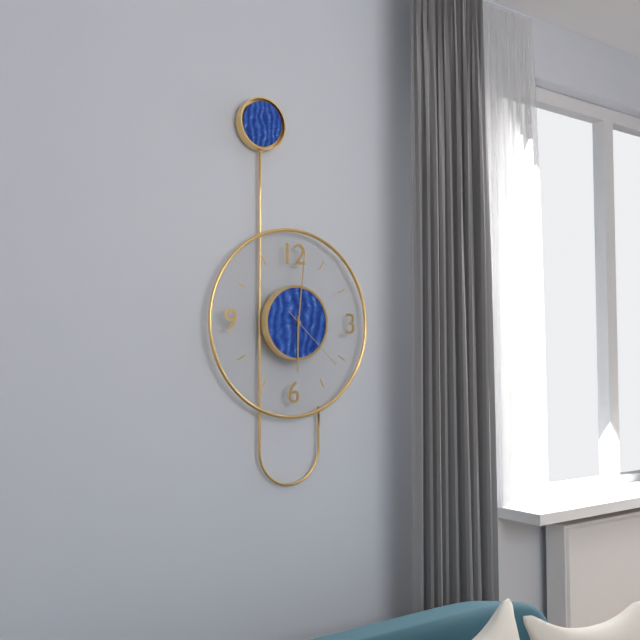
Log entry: {"hour": 6, "minute": 1, "second": 22}
